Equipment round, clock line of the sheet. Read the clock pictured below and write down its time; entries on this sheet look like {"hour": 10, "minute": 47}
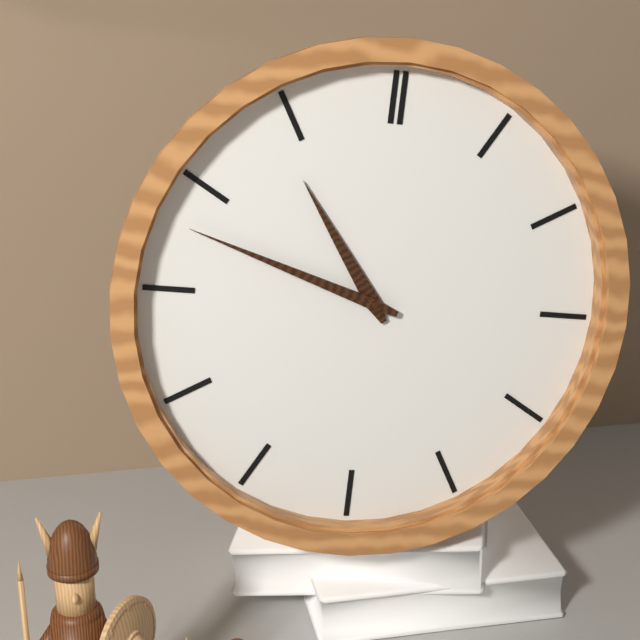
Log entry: {"hour": 10, "minute": 48}
